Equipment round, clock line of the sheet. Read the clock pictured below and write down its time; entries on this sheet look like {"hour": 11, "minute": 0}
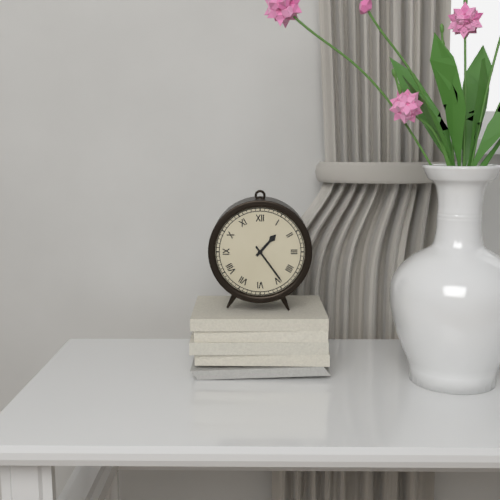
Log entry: {"hour": 1, "minute": 24}
